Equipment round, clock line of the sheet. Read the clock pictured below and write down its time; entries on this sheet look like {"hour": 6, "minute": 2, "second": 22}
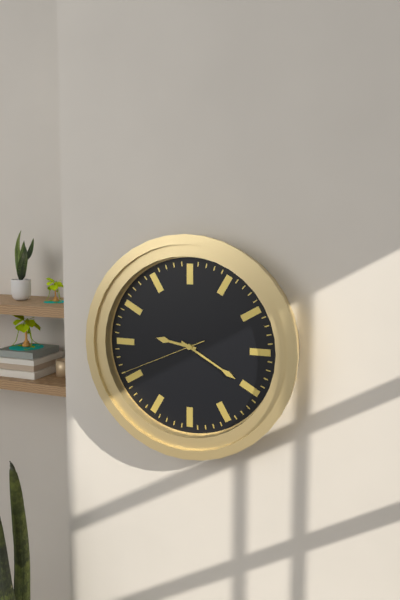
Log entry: {"hour": 9, "minute": 20, "second": 41}
